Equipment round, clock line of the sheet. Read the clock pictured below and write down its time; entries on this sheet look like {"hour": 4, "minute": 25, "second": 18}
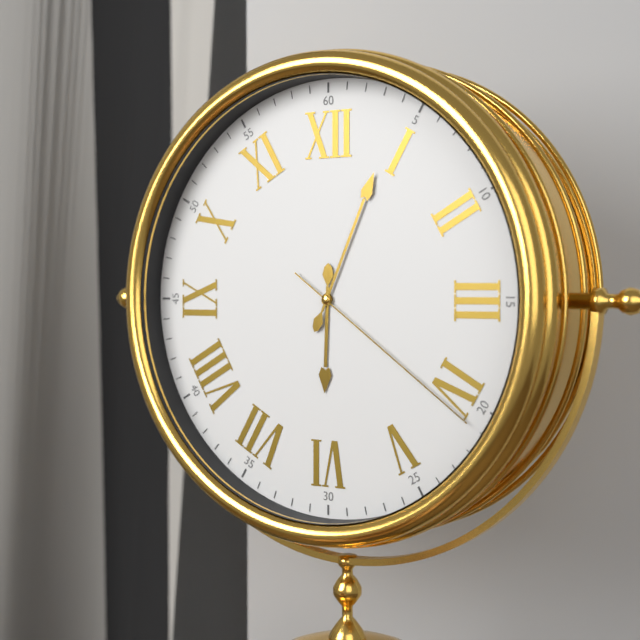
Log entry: {"hour": 6, "minute": 4, "second": 21}
